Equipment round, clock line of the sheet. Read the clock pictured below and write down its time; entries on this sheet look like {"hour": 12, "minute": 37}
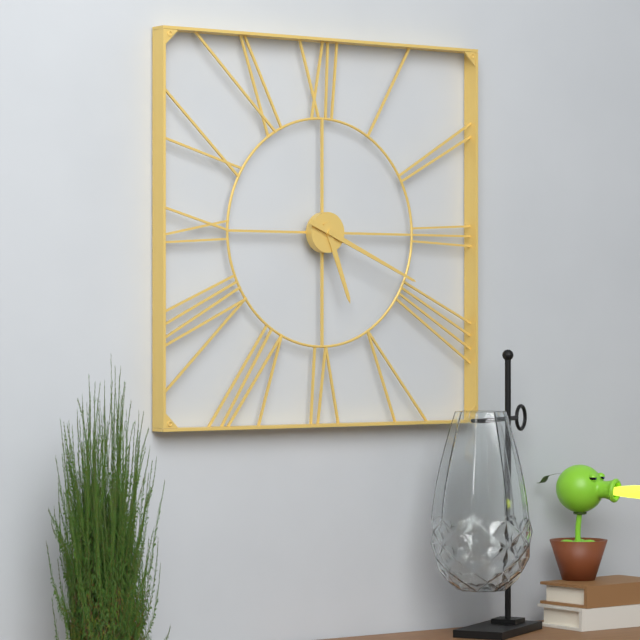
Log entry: {"hour": 5, "minute": 19}
